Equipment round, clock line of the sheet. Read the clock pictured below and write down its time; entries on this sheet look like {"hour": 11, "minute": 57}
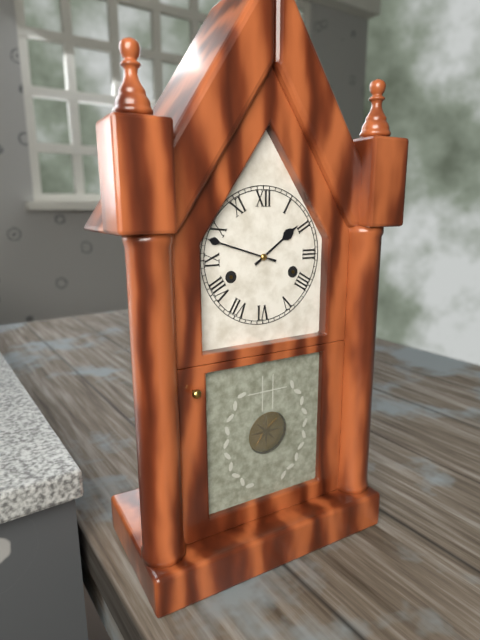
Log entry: {"hour": 1, "minute": 48}
